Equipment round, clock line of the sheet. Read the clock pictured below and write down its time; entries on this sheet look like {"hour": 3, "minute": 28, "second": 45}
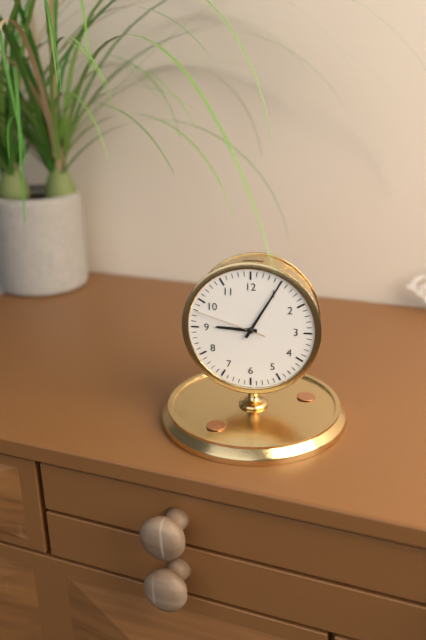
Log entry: {"hour": 9, "minute": 5, "second": 48}
